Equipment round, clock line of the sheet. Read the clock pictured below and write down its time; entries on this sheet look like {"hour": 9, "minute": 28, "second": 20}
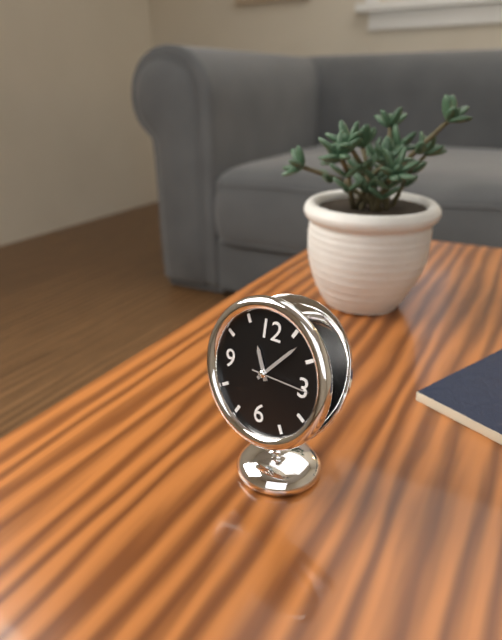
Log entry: {"hour": 11, "minute": 7, "second": 15}
